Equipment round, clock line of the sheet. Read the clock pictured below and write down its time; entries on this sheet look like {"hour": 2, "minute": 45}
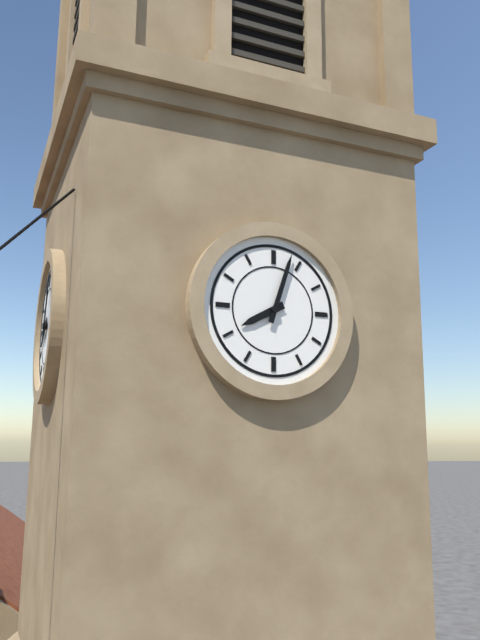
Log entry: {"hour": 8, "minute": 3}
